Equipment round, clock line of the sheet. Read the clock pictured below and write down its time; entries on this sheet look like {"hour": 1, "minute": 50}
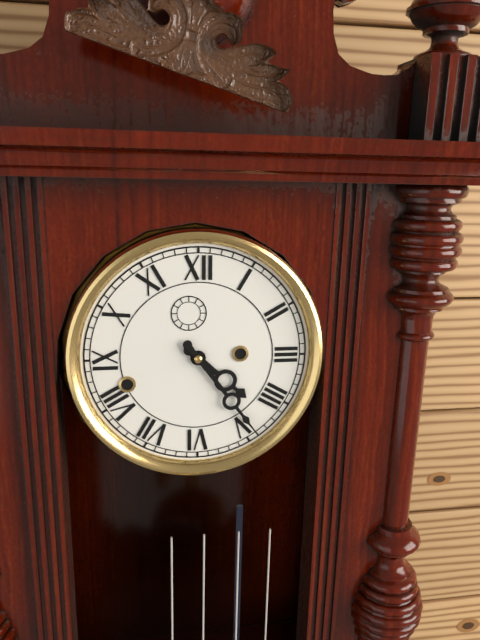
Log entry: {"hour": 4, "minute": 24}
